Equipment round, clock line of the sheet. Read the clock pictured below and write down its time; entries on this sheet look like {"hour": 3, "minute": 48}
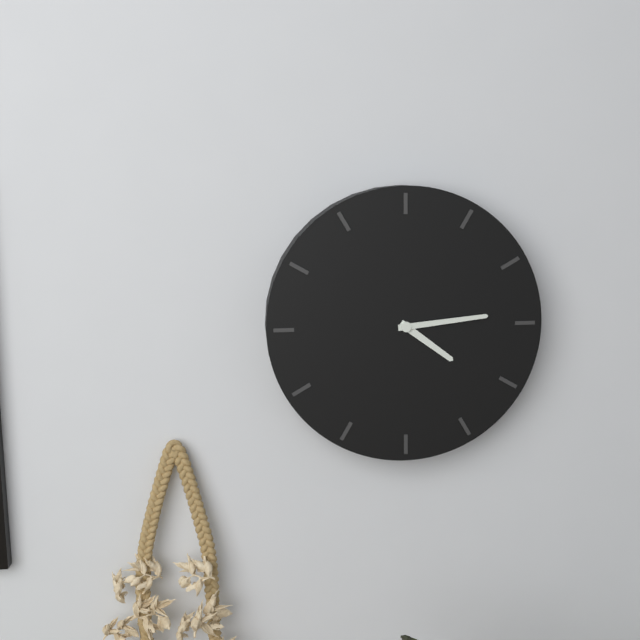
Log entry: {"hour": 4, "minute": 14}
